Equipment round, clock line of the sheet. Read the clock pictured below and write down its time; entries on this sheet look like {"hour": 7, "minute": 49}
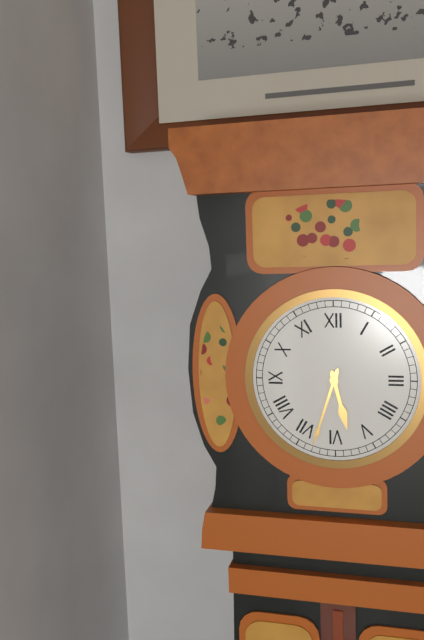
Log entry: {"hour": 5, "minute": 33}
